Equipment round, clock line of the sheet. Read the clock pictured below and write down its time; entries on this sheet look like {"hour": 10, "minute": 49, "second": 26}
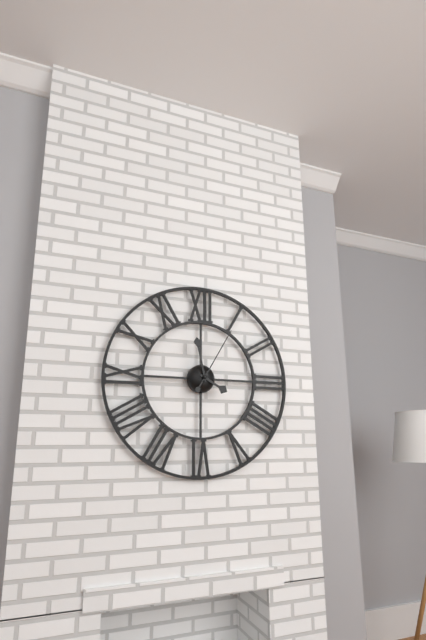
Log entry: {"hour": 3, "minute": 58, "second": 5}
